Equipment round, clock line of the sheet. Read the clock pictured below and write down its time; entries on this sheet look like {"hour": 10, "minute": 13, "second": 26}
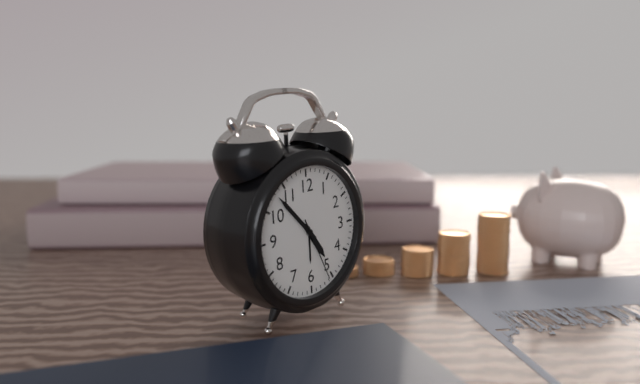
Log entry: {"hour": 4, "minute": 53, "second": 26}
